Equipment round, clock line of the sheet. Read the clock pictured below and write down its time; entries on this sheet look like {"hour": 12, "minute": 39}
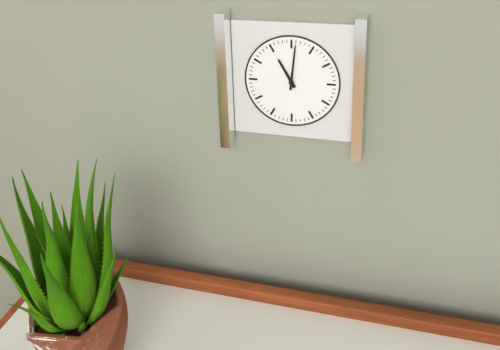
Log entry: {"hour": 11, "minute": 1}
